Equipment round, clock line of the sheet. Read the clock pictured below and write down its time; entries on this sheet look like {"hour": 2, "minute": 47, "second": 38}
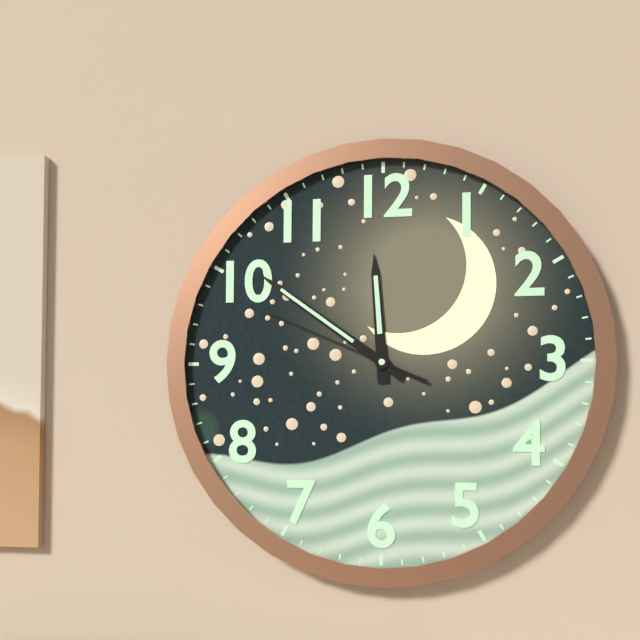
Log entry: {"hour": 11, "minute": 51, "second": 49}
